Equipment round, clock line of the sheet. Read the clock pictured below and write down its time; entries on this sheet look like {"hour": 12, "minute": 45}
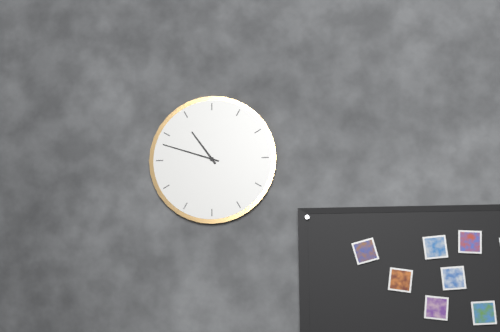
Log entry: {"hour": 10, "minute": 48}
